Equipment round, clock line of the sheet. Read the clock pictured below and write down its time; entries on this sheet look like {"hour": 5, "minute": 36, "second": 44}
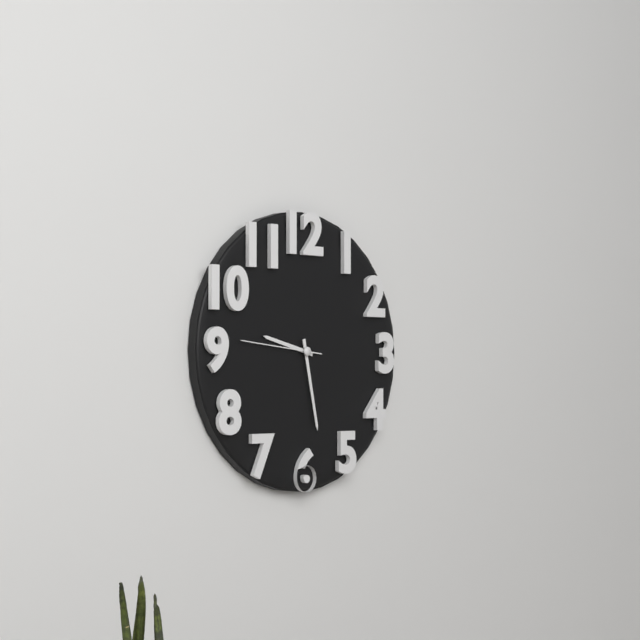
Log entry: {"hour": 9, "minute": 28, "second": 46}
